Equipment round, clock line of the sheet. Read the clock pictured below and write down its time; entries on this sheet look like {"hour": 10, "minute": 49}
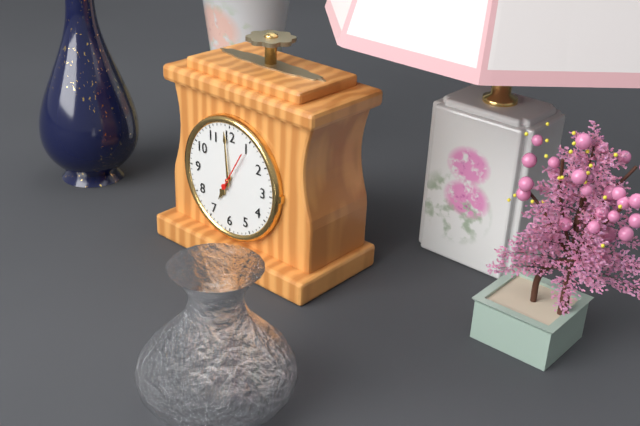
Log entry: {"hour": 6, "minute": 59}
